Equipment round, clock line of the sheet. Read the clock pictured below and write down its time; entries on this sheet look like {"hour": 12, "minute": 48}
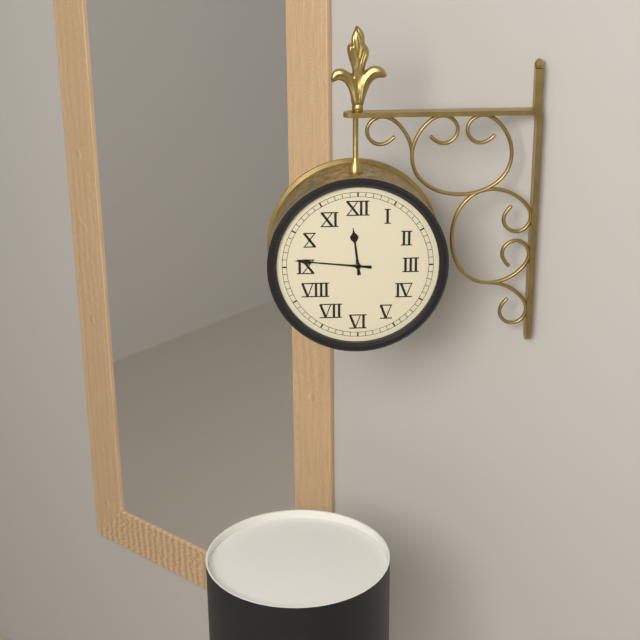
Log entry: {"hour": 11, "minute": 46}
